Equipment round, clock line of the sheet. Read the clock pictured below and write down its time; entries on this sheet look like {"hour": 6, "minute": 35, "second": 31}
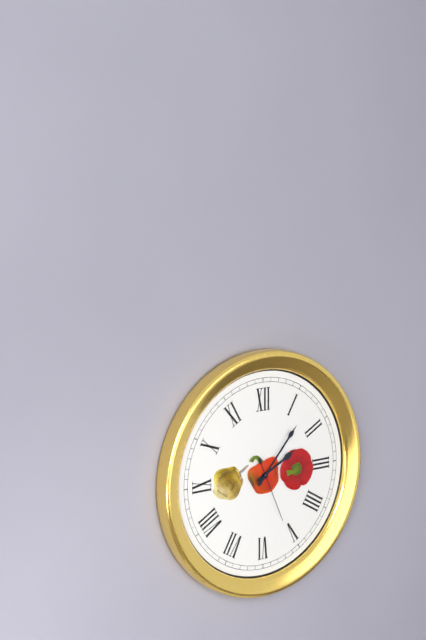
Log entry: {"hour": 2, "minute": 7, "second": 26}
